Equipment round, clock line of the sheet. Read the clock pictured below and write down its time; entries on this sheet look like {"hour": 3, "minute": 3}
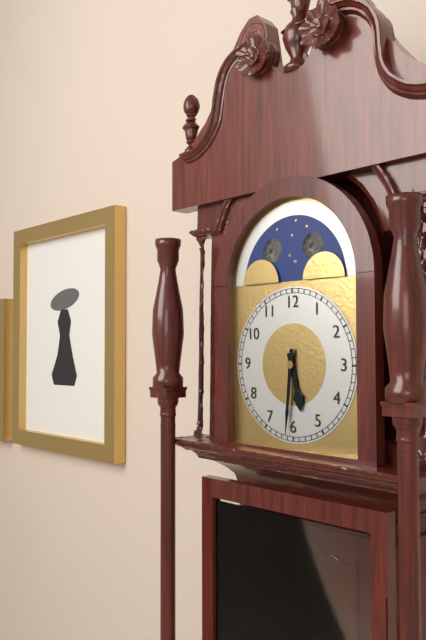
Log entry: {"hour": 5, "minute": 31}
